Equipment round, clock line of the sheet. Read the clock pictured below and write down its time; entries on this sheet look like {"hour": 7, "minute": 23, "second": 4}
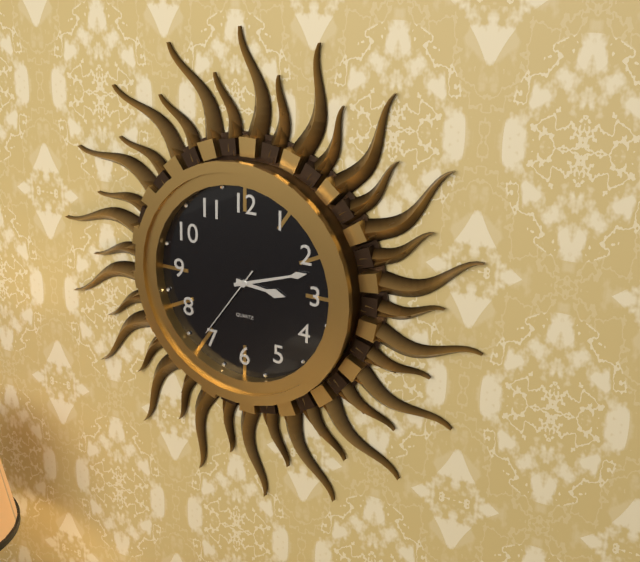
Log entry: {"hour": 3, "minute": 12, "second": 36}
